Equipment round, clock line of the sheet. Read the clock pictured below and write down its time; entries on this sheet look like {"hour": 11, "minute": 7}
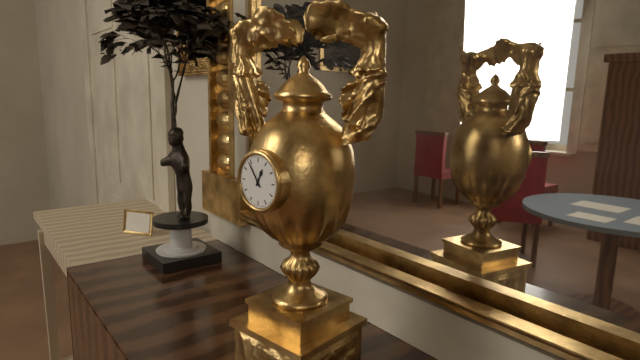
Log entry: {"hour": 12, "minute": 54}
